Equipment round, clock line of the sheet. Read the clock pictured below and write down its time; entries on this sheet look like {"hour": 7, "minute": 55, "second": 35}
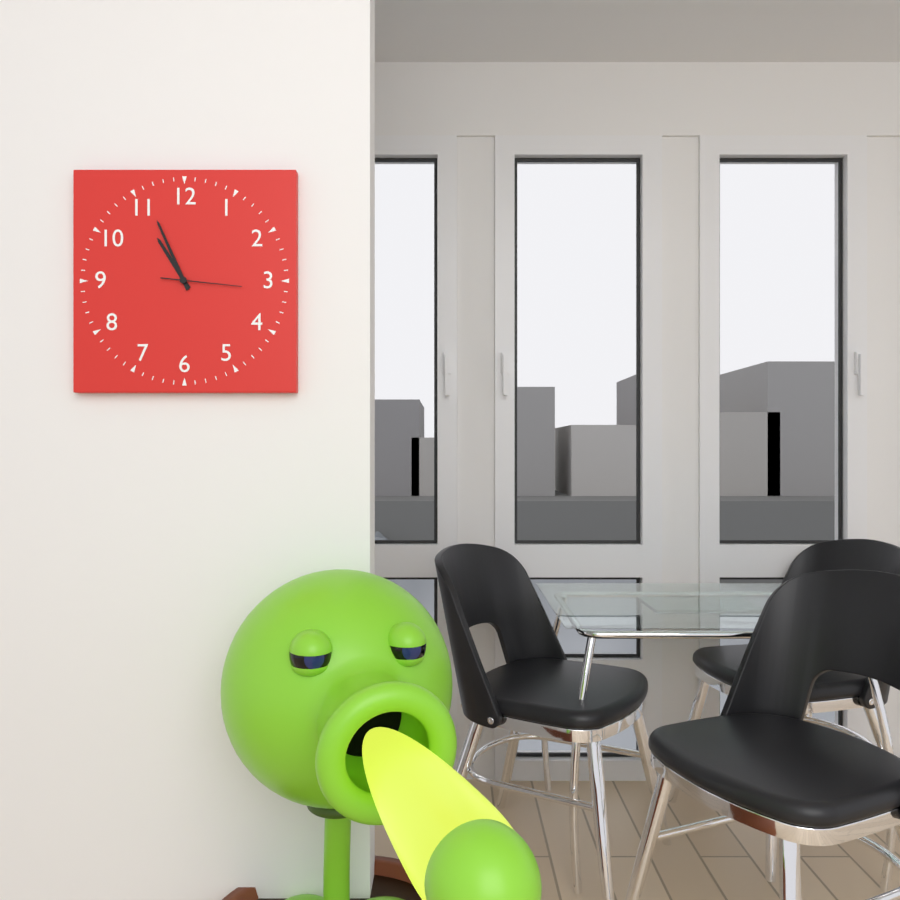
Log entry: {"hour": 10, "minute": 56, "second": 16}
